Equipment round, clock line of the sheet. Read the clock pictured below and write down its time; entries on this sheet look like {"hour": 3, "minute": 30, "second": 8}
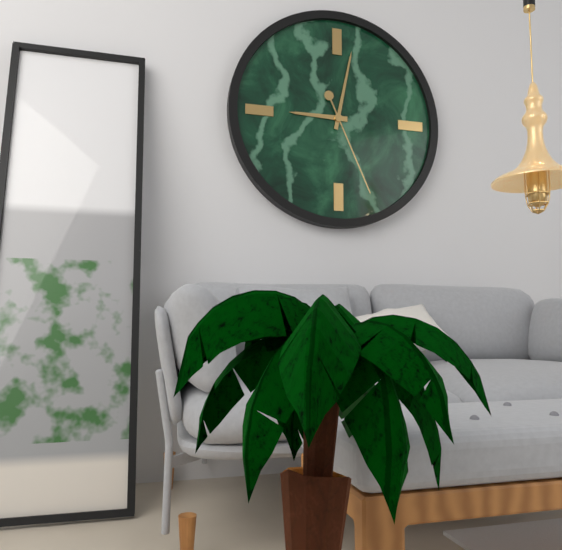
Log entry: {"hour": 9, "minute": 2, "second": 26}
